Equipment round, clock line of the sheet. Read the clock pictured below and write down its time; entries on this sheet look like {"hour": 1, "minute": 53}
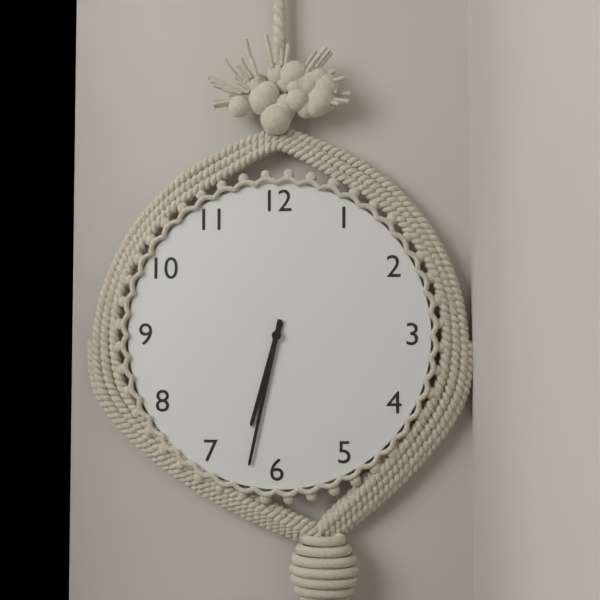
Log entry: {"hour": 6, "minute": 32}
